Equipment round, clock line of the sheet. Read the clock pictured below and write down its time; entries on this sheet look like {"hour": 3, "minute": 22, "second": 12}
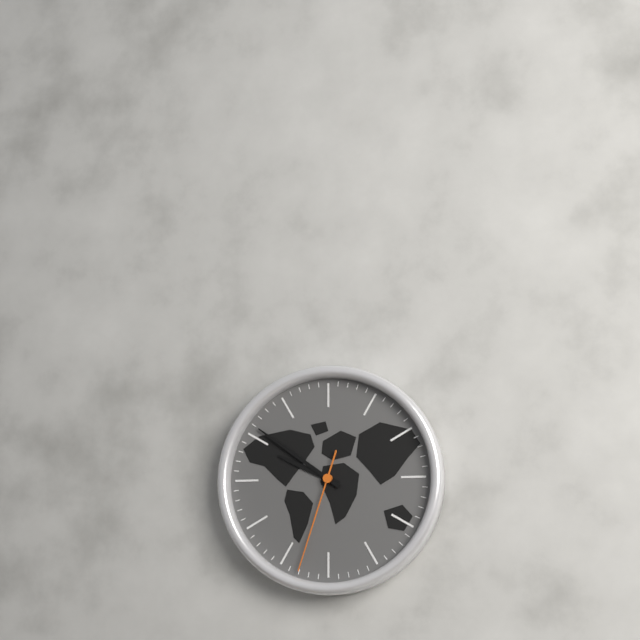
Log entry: {"hour": 9, "minute": 51, "second": 33}
